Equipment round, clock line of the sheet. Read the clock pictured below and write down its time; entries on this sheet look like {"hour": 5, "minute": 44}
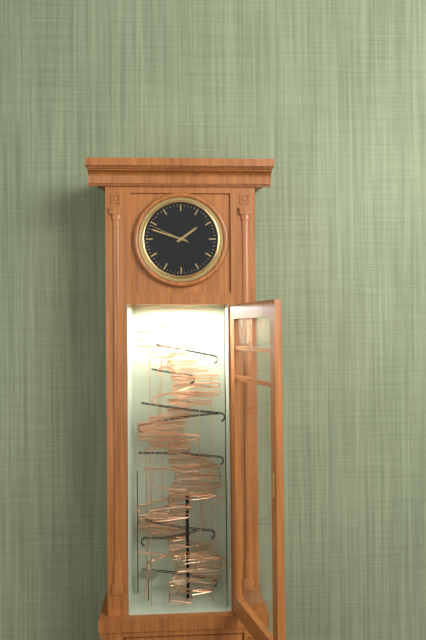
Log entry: {"hour": 1, "minute": 48}
